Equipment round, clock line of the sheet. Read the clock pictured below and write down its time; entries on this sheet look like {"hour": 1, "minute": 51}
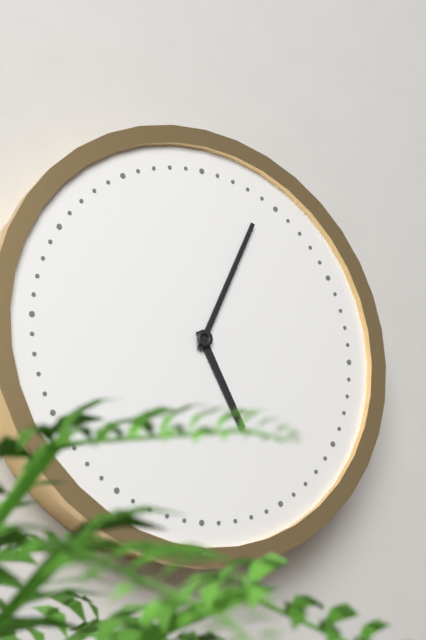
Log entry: {"hour": 5, "minute": 4}
